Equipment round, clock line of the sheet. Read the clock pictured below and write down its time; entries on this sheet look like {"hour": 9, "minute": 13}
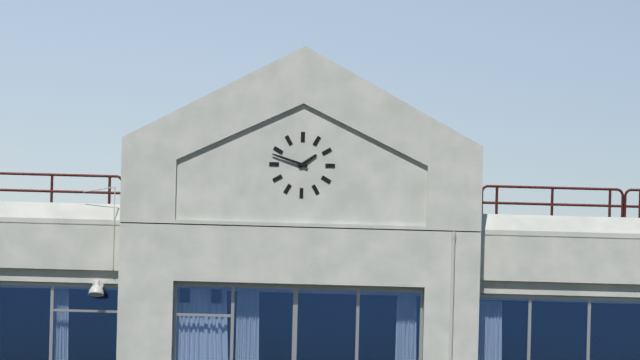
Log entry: {"hour": 1, "minute": 48}
